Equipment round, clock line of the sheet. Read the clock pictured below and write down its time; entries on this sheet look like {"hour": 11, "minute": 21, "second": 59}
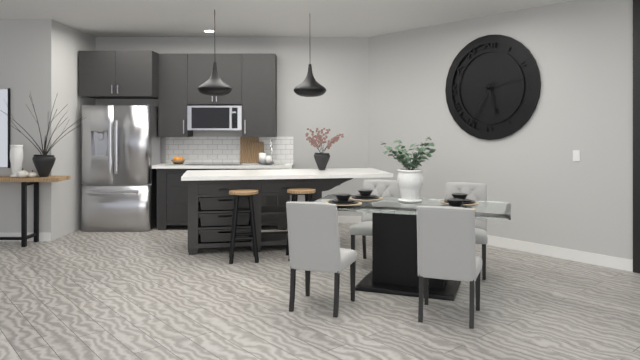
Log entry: {"hour": 5, "minute": 35, "second": 13}
